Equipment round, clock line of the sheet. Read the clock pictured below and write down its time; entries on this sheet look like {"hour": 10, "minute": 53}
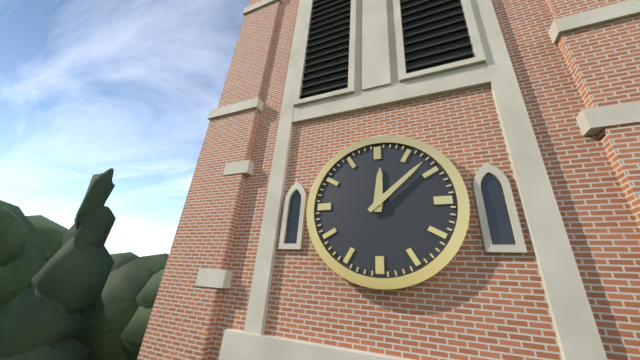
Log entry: {"hour": 12, "minute": 8}
